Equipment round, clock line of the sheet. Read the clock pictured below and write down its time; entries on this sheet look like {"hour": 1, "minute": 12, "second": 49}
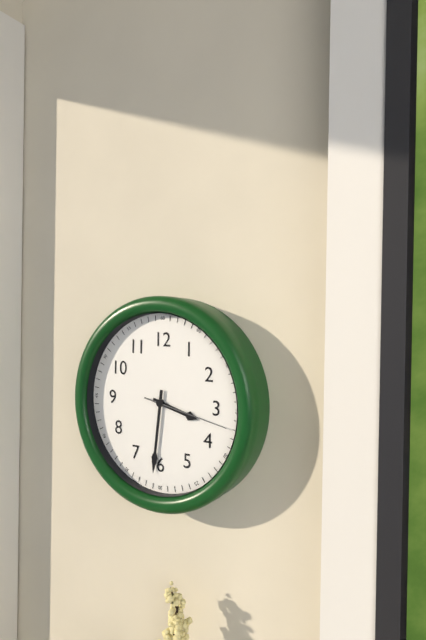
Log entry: {"hour": 3, "minute": 31, "second": 17}
